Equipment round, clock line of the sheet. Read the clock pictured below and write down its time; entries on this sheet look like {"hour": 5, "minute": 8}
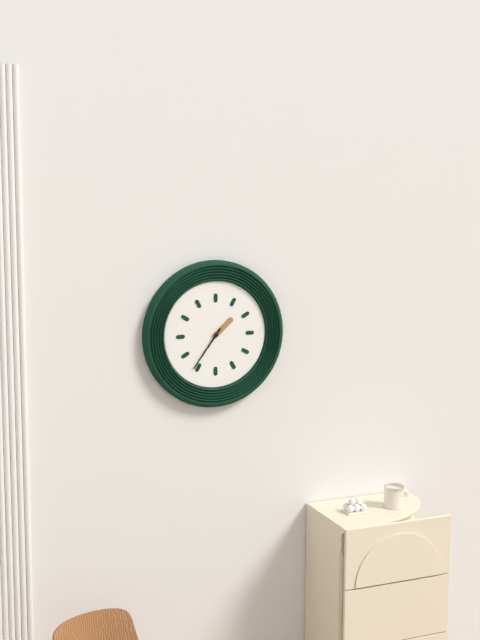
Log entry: {"hour": 1, "minute": 36}
